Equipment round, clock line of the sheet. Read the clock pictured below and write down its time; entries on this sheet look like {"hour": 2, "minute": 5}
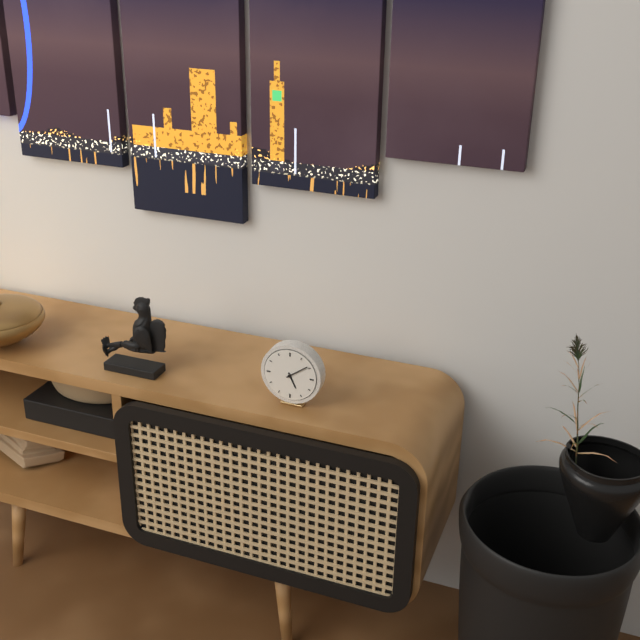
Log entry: {"hour": 5, "minute": 9}
